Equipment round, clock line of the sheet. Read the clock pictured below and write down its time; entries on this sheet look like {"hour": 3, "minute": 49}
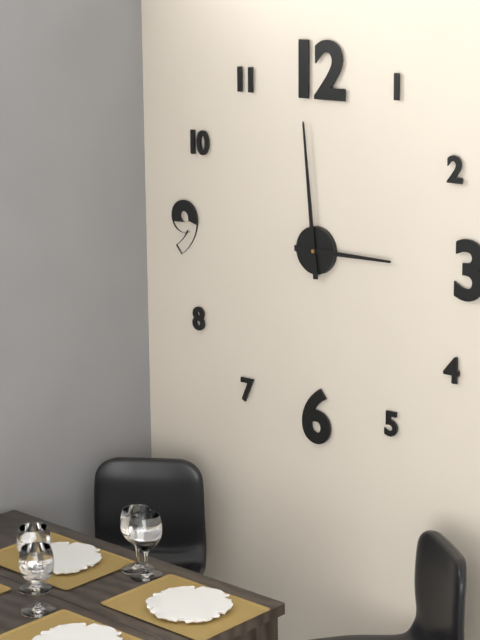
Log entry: {"hour": 2, "minute": 59}
